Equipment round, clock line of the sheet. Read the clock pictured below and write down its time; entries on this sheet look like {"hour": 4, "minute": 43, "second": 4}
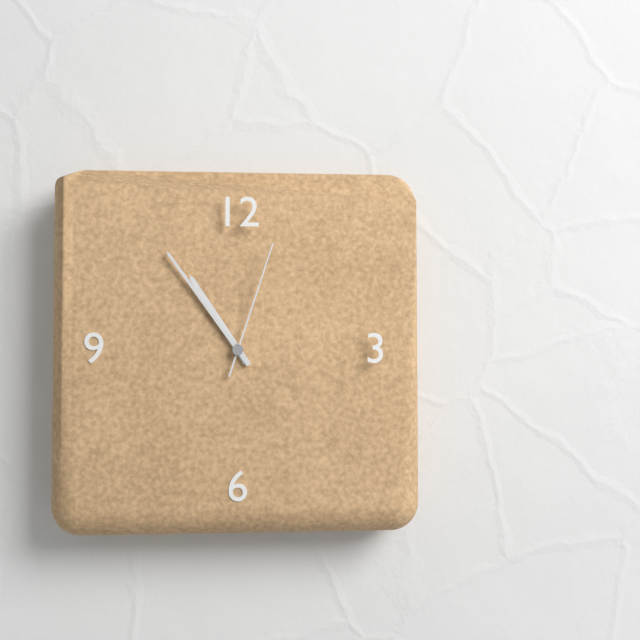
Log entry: {"hour": 10, "minute": 54, "second": 3}
